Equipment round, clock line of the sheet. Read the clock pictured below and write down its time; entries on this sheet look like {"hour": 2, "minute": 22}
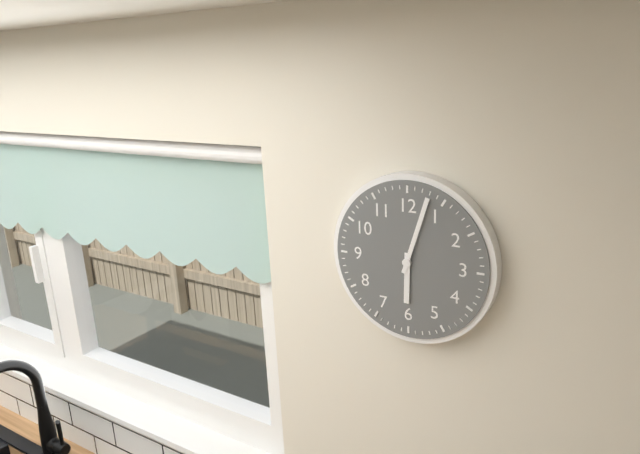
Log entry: {"hour": 6, "minute": 3}
